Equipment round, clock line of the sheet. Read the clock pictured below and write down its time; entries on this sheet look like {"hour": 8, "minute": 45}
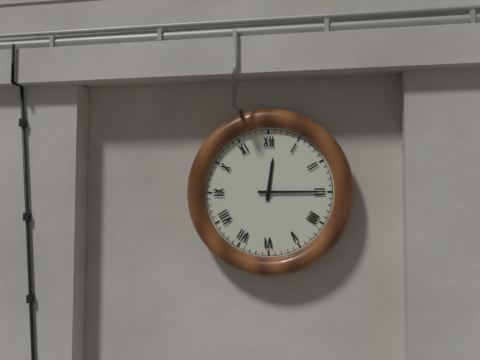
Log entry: {"hour": 12, "minute": 15}
